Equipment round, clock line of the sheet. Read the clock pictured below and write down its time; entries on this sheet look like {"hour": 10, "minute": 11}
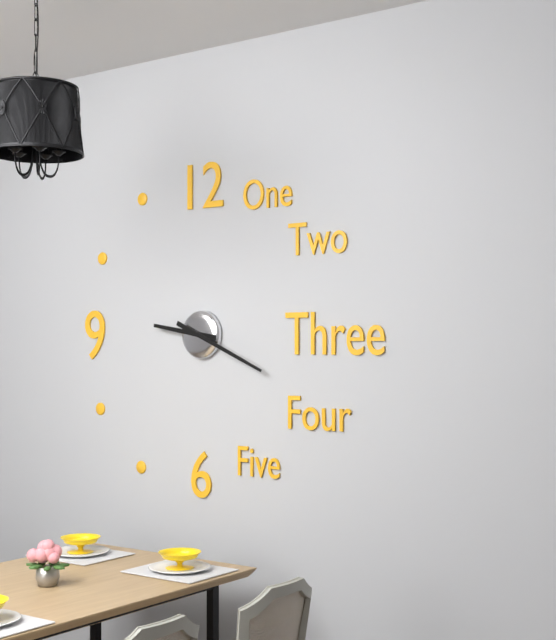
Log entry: {"hour": 9, "minute": 19}
